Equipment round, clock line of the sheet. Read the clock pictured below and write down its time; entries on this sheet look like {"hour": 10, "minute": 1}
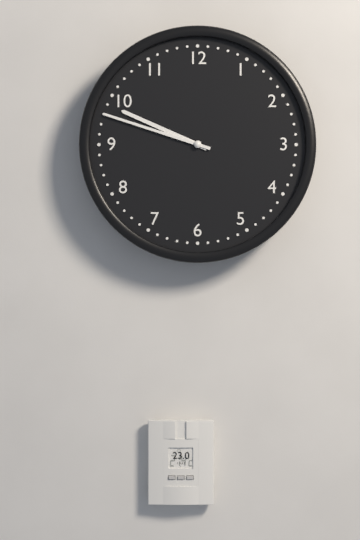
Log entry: {"hour": 9, "minute": 48}
